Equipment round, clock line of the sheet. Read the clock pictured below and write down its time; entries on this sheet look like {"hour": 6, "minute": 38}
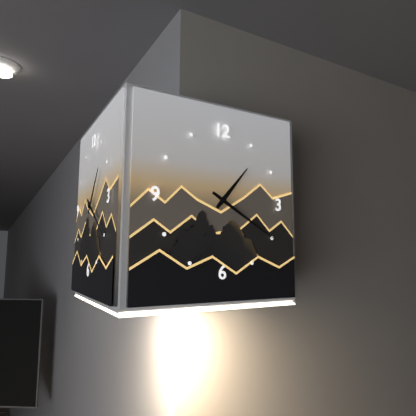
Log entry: {"hour": 1, "minute": 20}
